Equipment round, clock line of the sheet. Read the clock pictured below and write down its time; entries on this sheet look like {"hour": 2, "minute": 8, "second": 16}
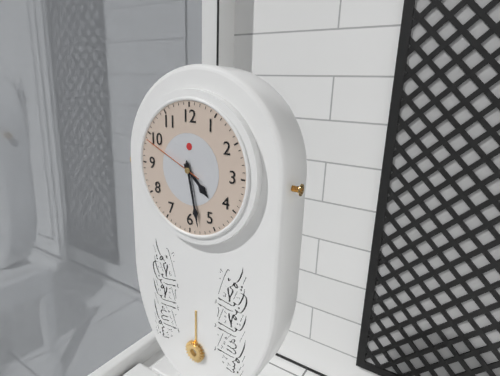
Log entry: {"hour": 4, "minute": 28, "second": 49}
